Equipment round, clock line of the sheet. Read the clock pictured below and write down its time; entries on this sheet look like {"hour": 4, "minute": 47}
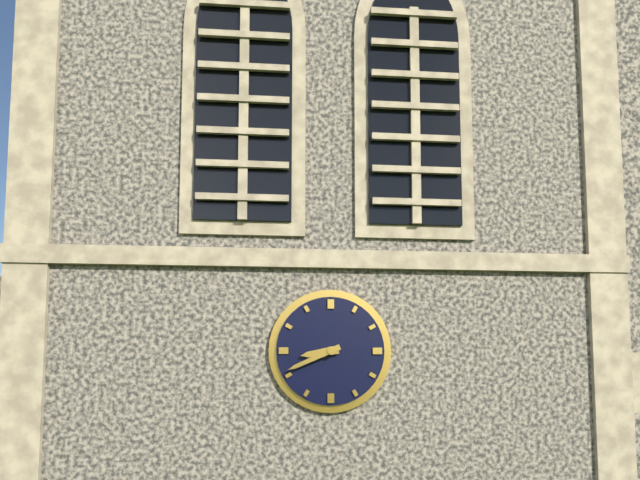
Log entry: {"hour": 8, "minute": 41}
